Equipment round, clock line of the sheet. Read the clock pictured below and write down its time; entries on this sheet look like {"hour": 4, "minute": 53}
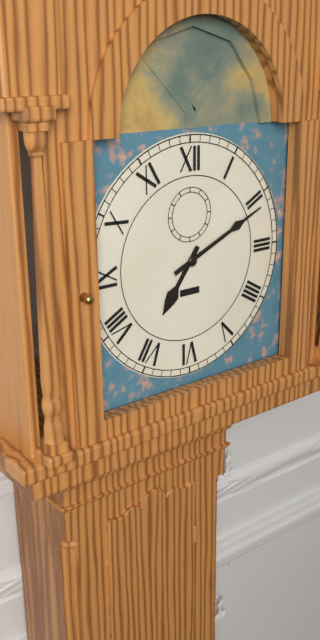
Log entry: {"hour": 7, "minute": 11}
